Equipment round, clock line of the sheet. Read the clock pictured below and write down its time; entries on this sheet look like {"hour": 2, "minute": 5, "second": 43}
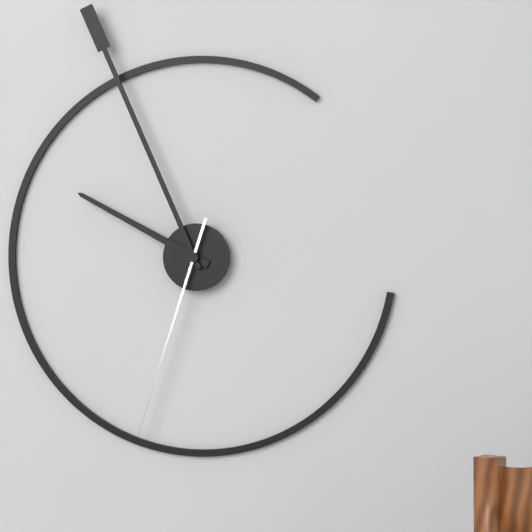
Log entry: {"hour": 9, "minute": 56, "second": 33}
